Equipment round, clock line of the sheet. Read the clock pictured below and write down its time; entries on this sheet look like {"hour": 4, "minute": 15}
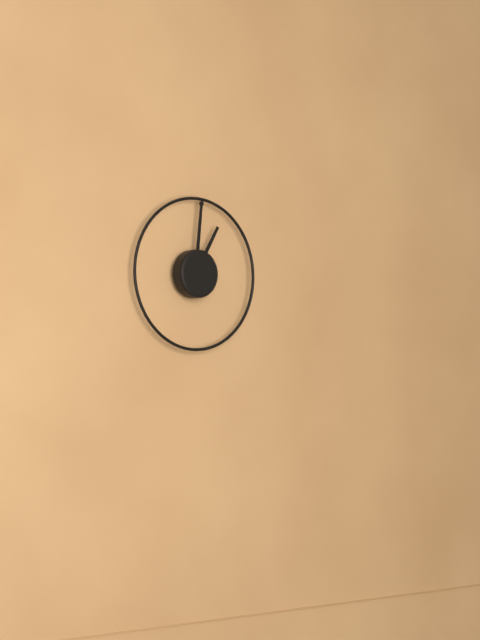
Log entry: {"hour": 1, "minute": 1}
